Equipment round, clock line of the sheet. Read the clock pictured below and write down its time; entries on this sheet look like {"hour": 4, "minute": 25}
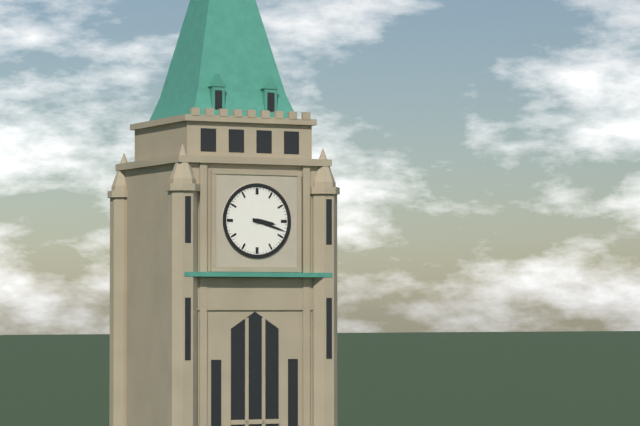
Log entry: {"hour": 3, "minute": 18}
